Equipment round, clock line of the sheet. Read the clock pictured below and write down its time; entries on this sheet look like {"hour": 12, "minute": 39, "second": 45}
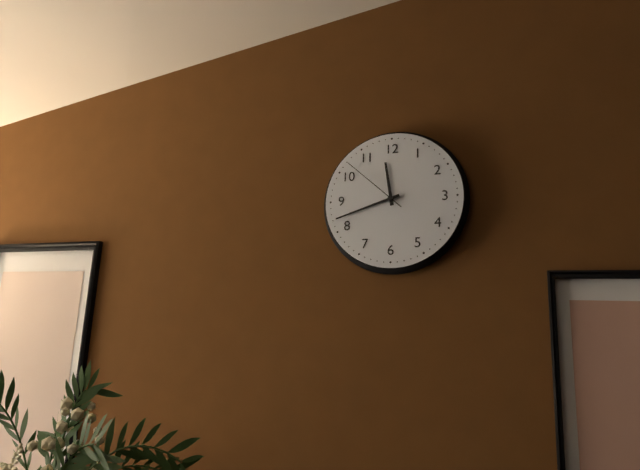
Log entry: {"hour": 11, "minute": 42, "second": 52}
